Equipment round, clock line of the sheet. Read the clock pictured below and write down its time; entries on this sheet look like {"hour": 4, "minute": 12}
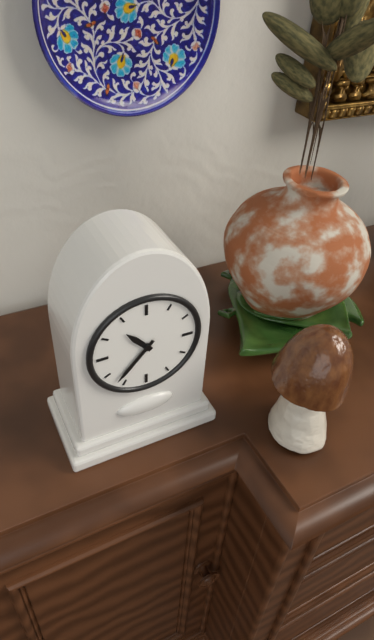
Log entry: {"hour": 10, "minute": 37}
